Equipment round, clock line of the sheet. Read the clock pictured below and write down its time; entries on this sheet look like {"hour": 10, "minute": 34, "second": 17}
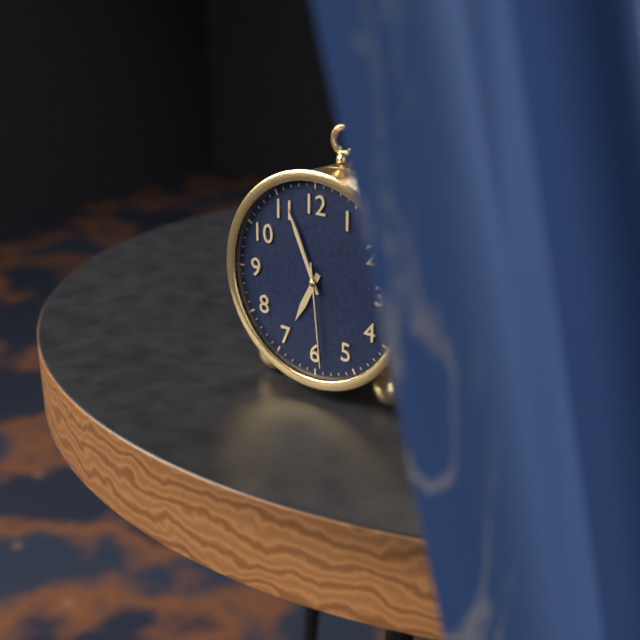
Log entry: {"hour": 6, "minute": 56, "second": 29}
